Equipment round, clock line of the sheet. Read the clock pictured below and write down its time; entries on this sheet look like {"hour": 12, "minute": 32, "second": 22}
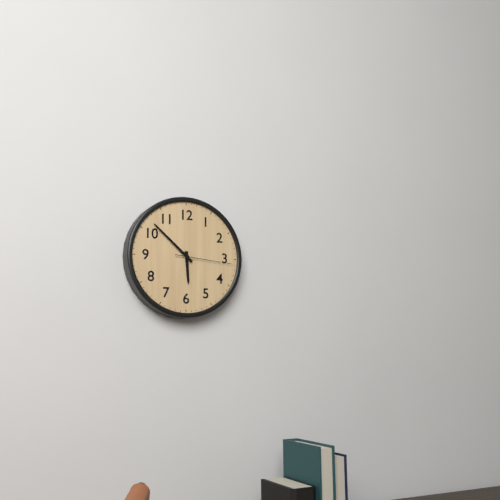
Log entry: {"hour": 5, "minute": 52, "second": 16}
